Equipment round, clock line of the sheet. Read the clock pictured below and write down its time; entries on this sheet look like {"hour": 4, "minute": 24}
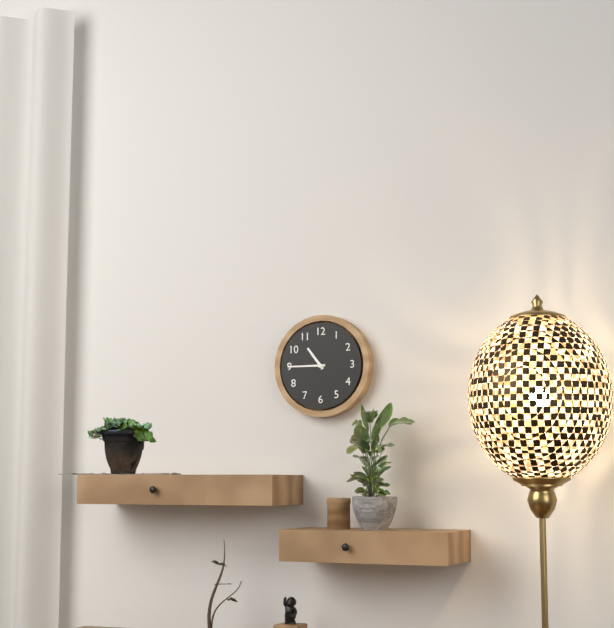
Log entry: {"hour": 10, "minute": 45}
